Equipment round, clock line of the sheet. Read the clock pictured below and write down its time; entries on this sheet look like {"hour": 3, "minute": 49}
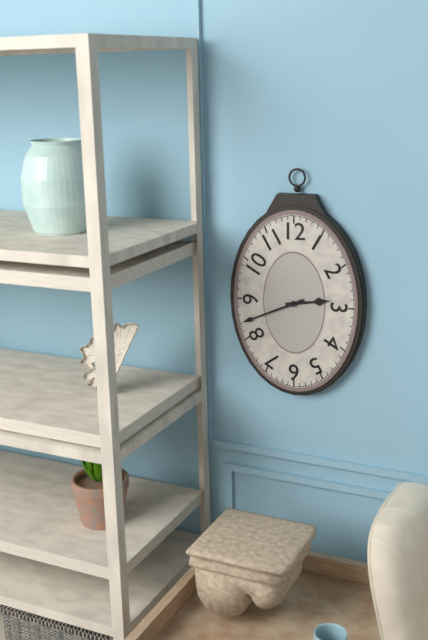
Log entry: {"hour": 2, "minute": 41}
